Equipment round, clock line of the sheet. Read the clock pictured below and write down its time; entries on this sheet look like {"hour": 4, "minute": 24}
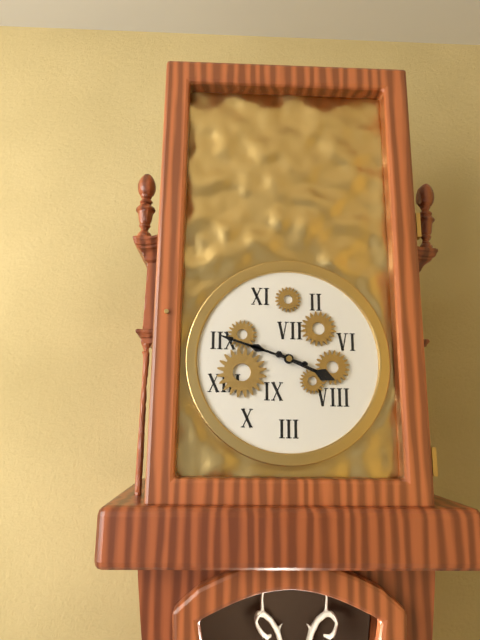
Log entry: {"hour": 3, "minute": 48}
